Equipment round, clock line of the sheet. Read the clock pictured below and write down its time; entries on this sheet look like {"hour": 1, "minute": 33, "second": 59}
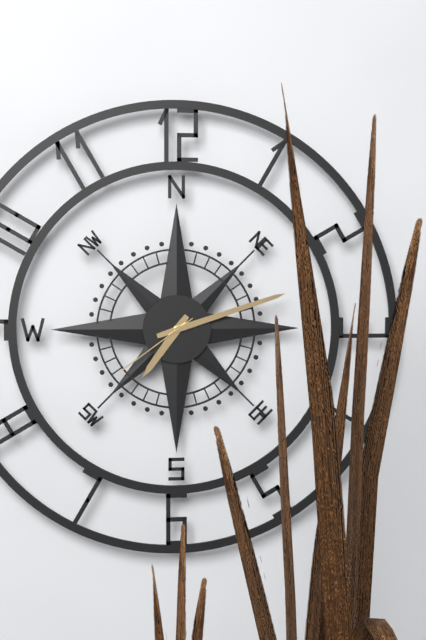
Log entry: {"hour": 7, "minute": 12, "second": 39}
